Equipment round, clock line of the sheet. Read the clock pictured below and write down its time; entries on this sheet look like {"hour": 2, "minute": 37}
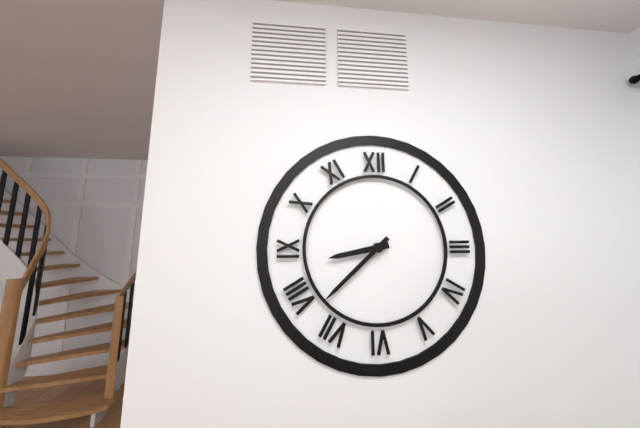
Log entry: {"hour": 8, "minute": 38}
